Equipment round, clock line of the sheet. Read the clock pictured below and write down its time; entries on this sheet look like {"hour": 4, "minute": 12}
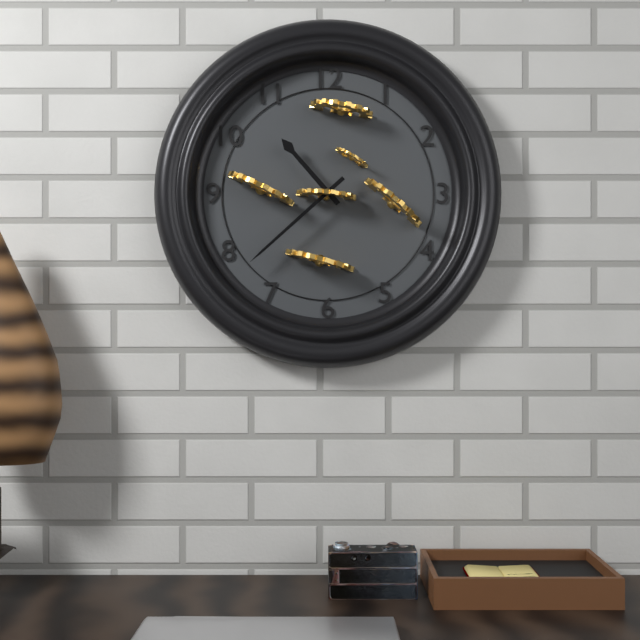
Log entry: {"hour": 10, "minute": 38}
